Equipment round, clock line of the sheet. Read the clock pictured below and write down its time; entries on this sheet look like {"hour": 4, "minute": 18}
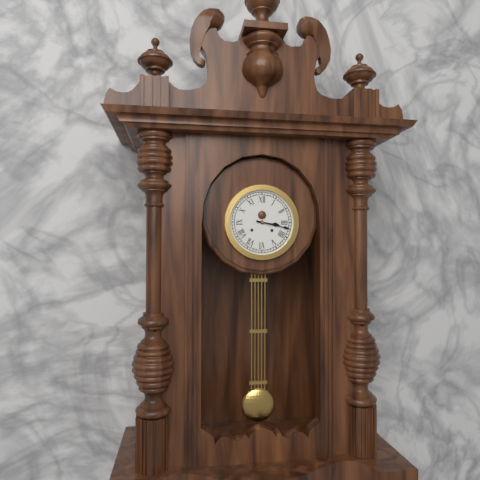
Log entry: {"hour": 3, "minute": 17}
